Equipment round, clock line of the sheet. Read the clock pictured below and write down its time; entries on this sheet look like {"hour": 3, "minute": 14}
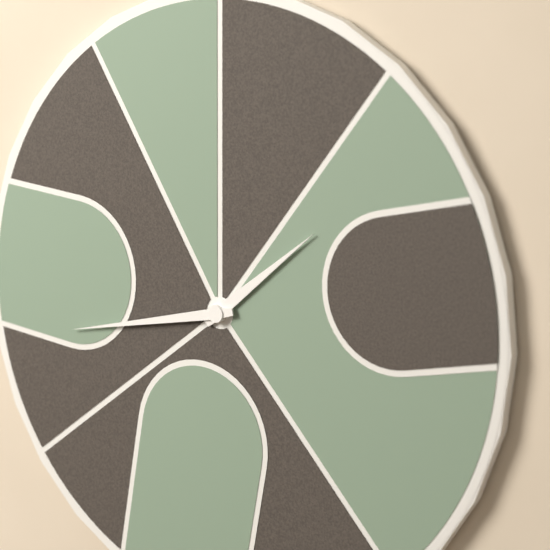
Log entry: {"hour": 1, "minute": 43}
